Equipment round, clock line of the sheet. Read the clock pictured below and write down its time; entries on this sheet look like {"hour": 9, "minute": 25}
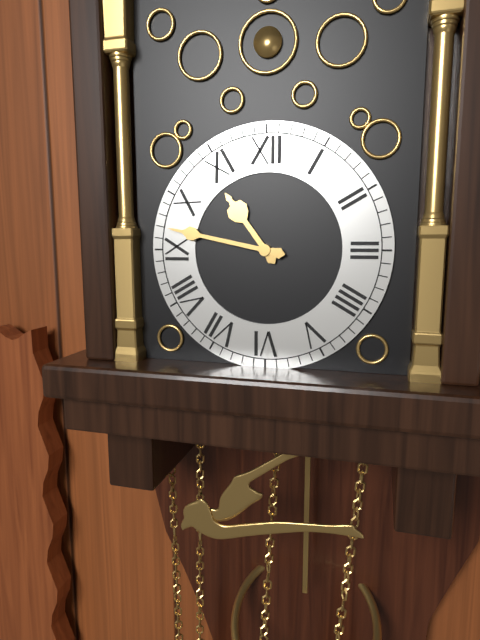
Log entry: {"hour": 10, "minute": 47}
